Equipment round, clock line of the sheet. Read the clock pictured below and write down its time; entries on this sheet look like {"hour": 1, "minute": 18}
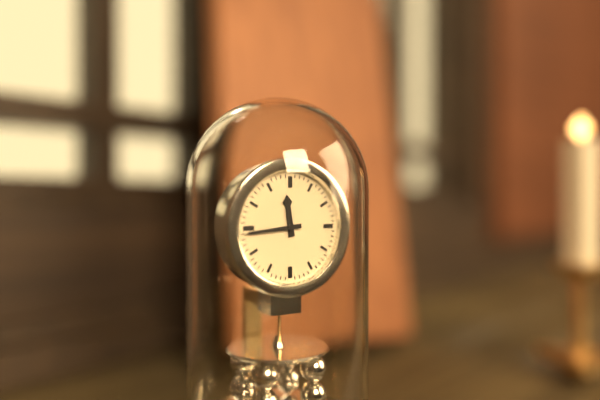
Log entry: {"hour": 11, "minute": 44}
